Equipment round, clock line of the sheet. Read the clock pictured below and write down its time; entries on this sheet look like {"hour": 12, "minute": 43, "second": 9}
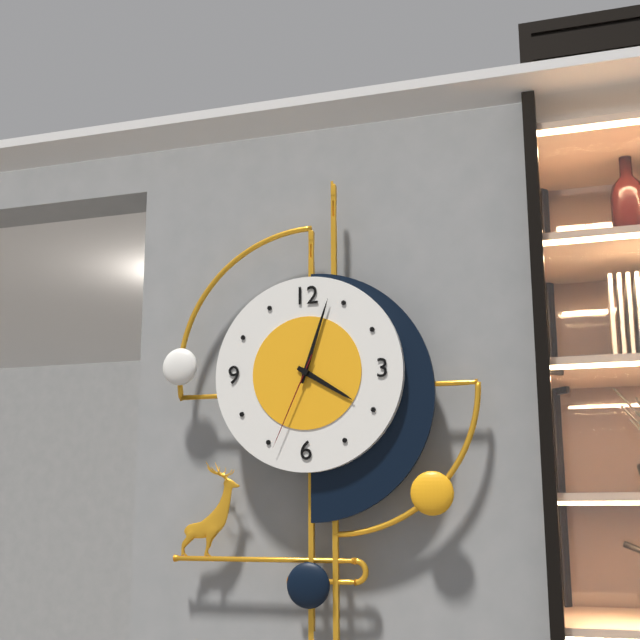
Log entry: {"hour": 4, "minute": 3, "second": 34}
